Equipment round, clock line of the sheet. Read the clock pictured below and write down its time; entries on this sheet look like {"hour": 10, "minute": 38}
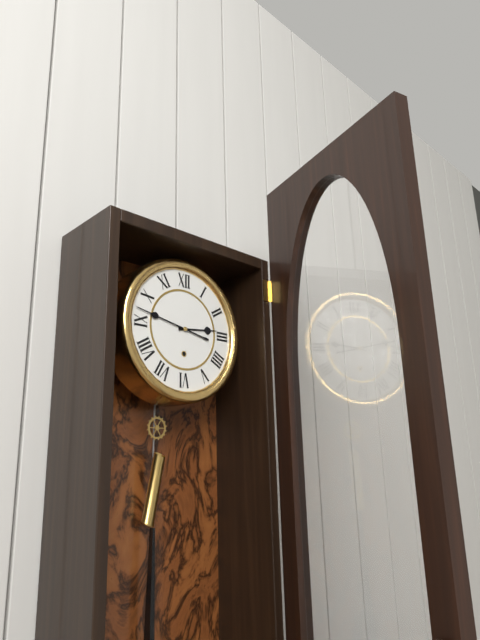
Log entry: {"hour": 2, "minute": 47}
